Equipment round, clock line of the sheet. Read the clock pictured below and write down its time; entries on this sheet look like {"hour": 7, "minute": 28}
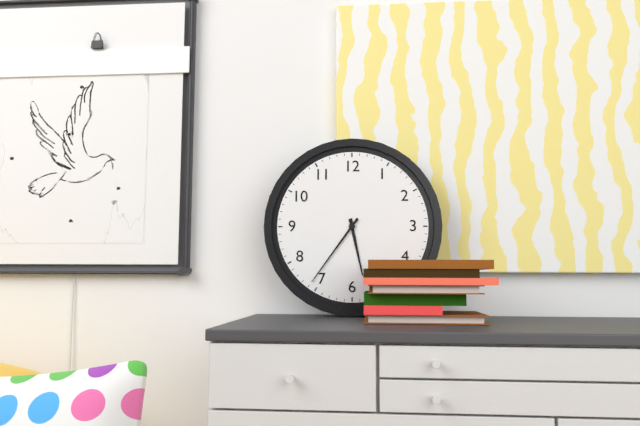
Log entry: {"hour": 5, "minute": 36}
